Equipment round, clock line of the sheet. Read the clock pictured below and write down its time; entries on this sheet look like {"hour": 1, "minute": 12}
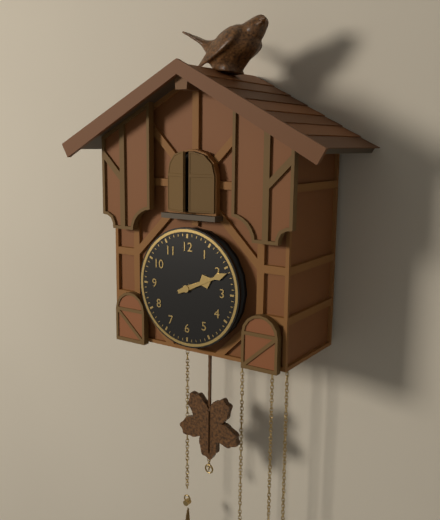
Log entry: {"hour": 2, "minute": 11}
